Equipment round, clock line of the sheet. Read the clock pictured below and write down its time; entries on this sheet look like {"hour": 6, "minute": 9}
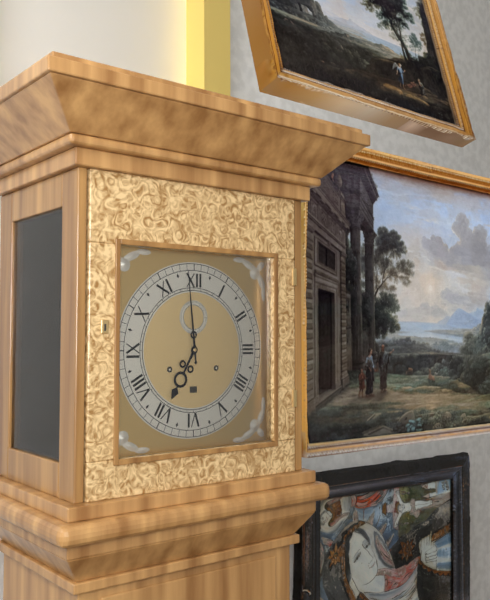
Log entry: {"hour": 6, "minute": 59}
